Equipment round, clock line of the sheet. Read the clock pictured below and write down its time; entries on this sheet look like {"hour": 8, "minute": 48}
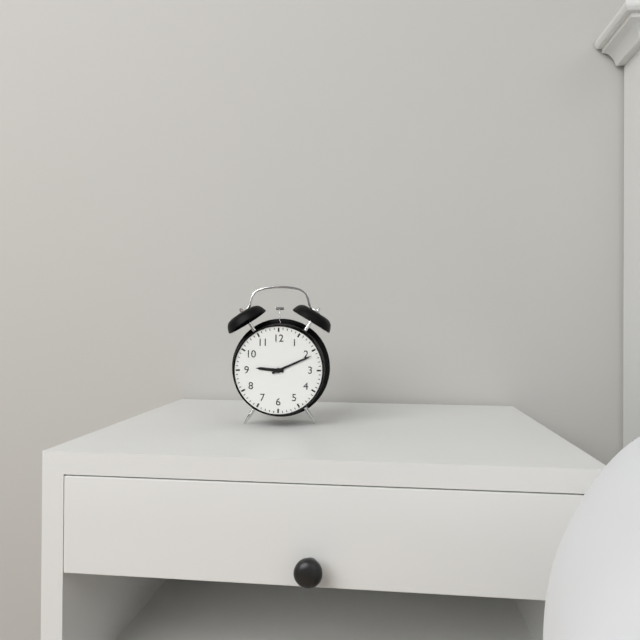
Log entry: {"hour": 9, "minute": 11}
